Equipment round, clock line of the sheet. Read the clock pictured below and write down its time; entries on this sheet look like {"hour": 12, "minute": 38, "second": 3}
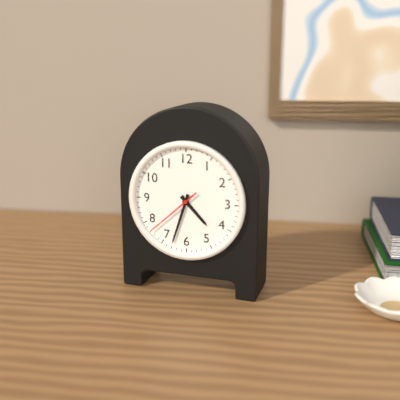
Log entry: {"hour": 4, "minute": 33, "second": 38}
